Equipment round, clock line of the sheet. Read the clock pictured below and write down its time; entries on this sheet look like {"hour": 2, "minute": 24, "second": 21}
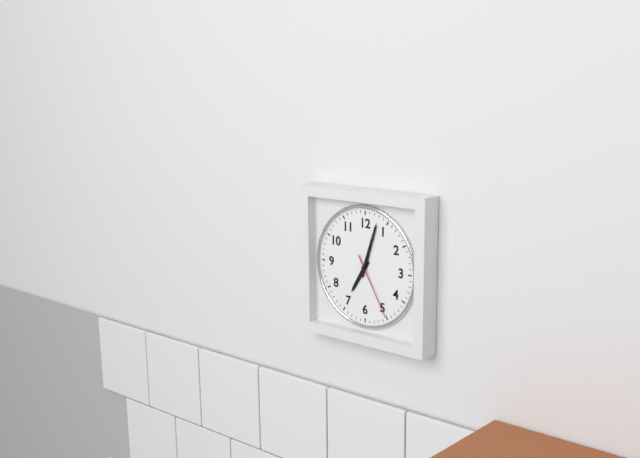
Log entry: {"hour": 7, "minute": 3, "second": 25}
